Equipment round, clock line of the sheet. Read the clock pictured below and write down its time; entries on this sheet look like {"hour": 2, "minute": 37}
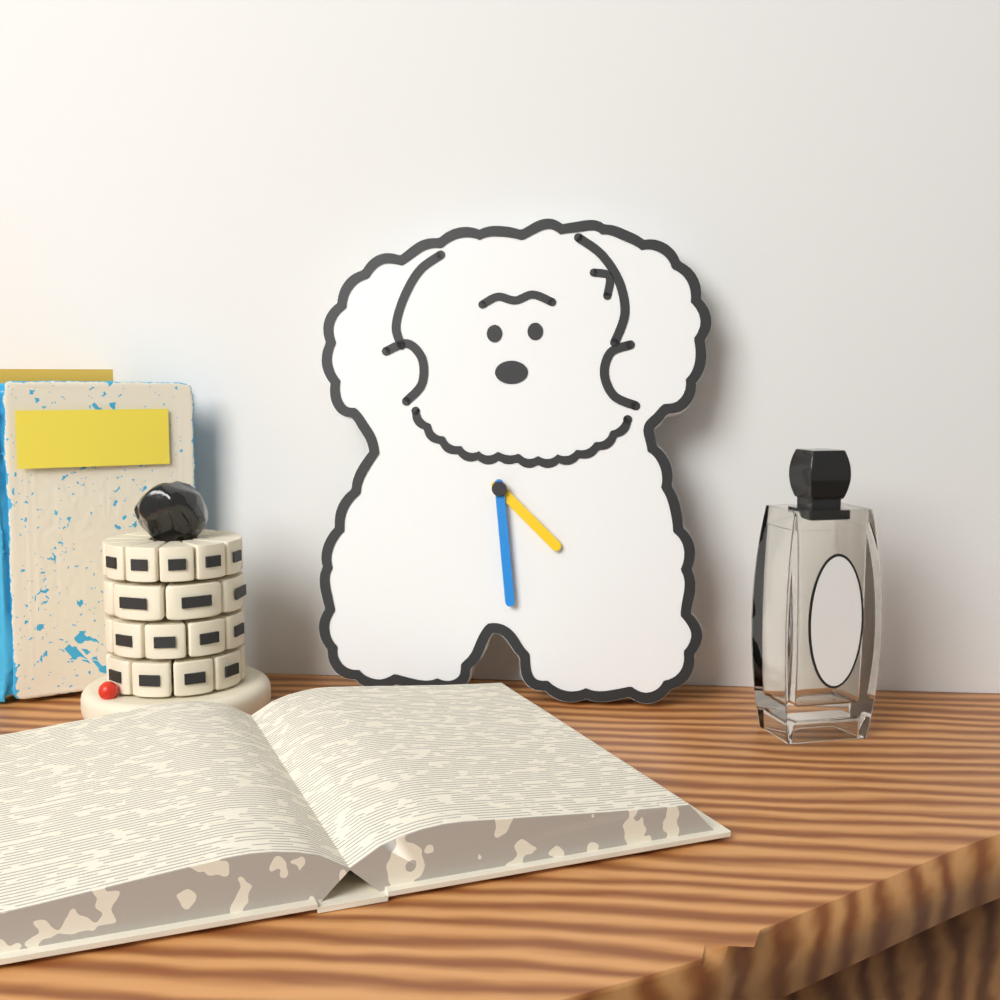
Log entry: {"hour": 4, "minute": 29}
